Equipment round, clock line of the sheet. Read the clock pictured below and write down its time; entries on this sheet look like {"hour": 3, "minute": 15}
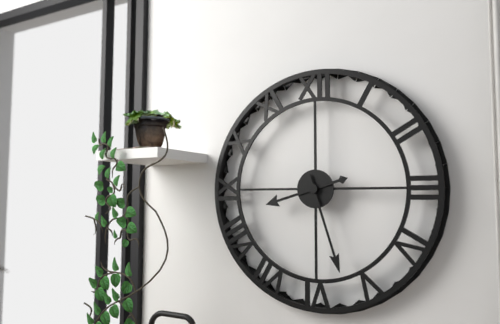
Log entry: {"hour": 8, "minute": 27}
